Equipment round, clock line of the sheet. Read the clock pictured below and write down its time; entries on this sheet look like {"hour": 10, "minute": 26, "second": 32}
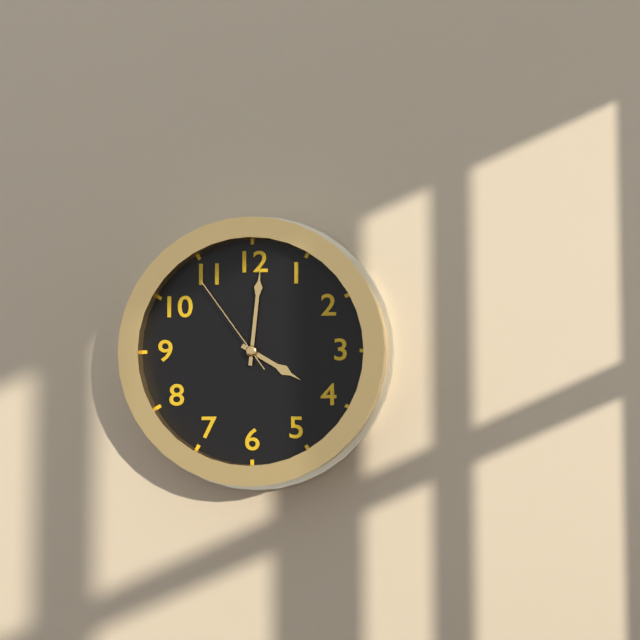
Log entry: {"hour": 4, "minute": 1, "second": 54}
